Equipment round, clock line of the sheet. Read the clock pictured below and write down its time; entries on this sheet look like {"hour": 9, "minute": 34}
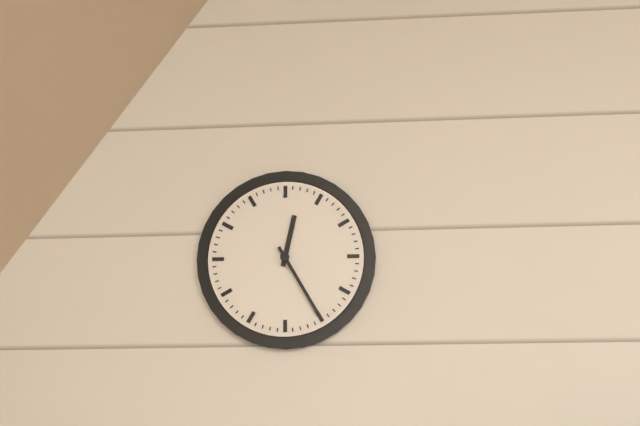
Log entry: {"hour": 12, "minute": 25}
